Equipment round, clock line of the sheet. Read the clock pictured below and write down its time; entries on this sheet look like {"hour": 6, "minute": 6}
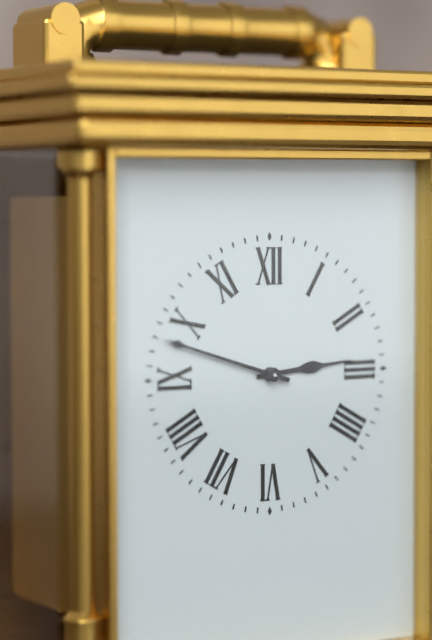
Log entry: {"hour": 2, "minute": 48}
